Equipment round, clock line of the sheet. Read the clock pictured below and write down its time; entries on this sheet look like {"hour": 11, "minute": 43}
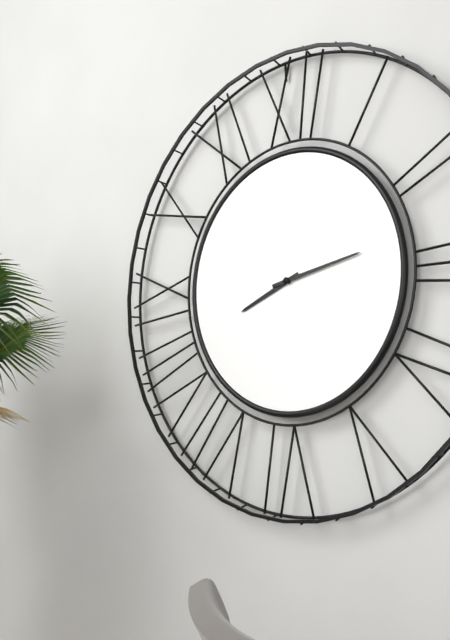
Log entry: {"hour": 8, "minute": 13}
